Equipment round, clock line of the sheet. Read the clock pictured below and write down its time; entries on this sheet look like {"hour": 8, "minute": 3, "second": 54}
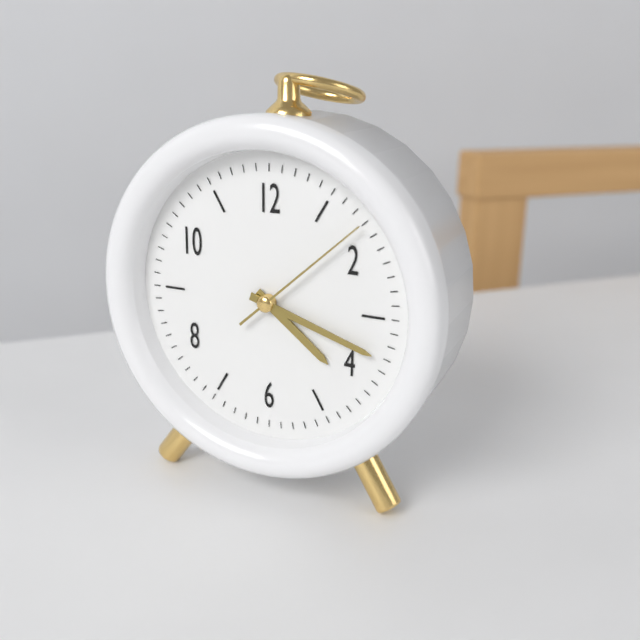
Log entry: {"hour": 4, "minute": 18, "second": 8}
